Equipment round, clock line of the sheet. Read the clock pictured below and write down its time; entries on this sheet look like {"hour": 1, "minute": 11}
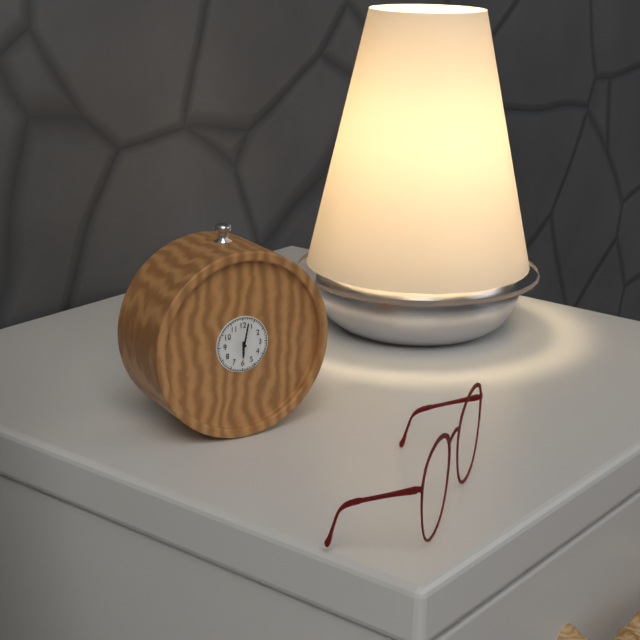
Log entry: {"hour": 6, "minute": 2}
